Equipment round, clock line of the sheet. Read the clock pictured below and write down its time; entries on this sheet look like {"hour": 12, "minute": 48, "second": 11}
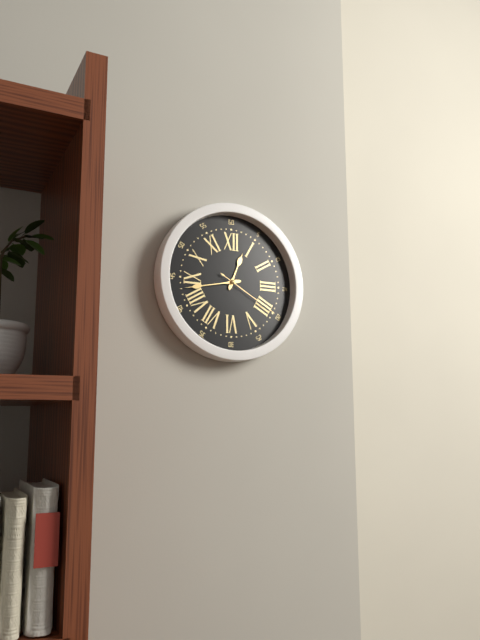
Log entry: {"hour": 12, "minute": 43, "second": 20}
